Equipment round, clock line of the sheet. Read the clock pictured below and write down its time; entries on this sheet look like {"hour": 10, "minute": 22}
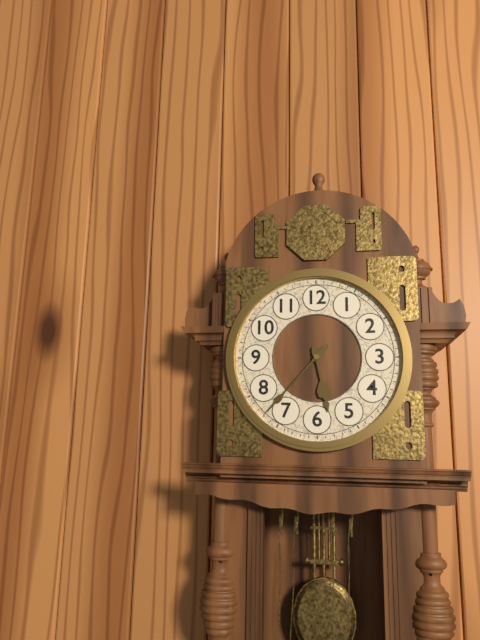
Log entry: {"hour": 5, "minute": 37}
